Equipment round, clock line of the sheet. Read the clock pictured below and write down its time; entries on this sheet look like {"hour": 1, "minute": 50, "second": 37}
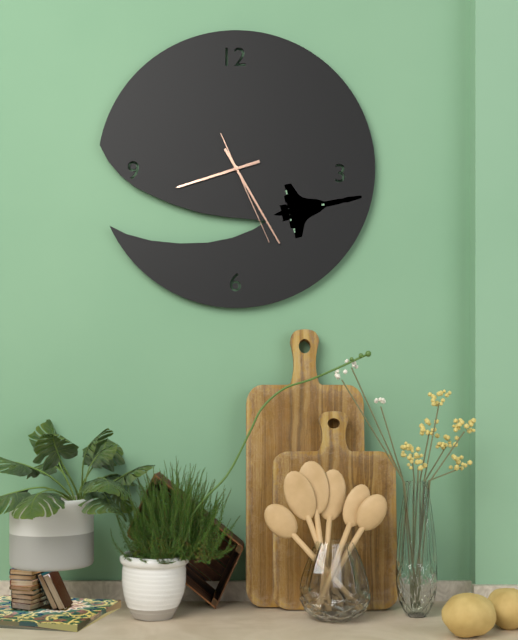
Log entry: {"hour": 8, "minute": 25, "second": 26}
